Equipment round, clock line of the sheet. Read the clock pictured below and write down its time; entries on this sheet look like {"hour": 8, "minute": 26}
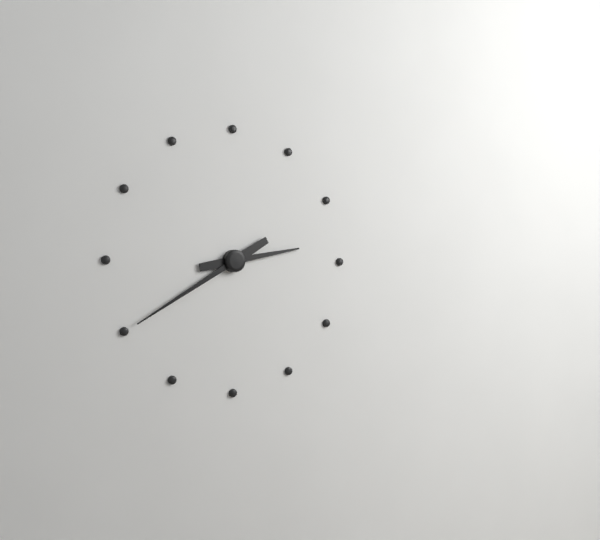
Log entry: {"hour": 2, "minute": 40}
